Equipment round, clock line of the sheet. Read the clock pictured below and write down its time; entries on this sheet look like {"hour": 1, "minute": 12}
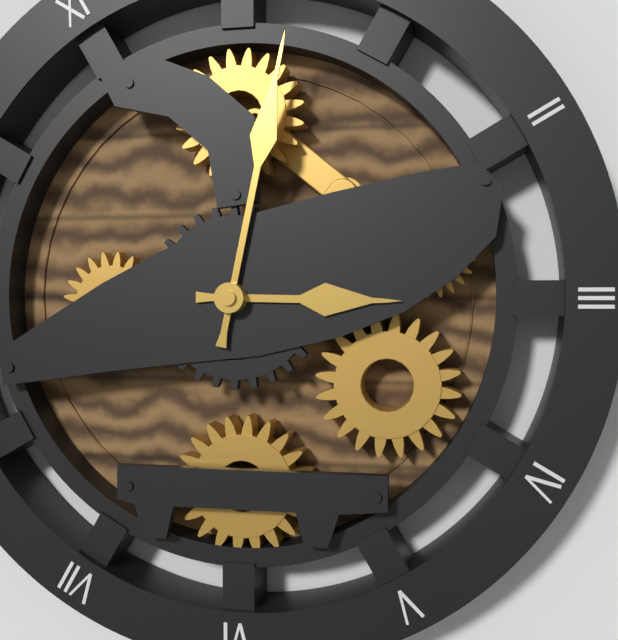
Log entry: {"hour": 3, "minute": 2}
